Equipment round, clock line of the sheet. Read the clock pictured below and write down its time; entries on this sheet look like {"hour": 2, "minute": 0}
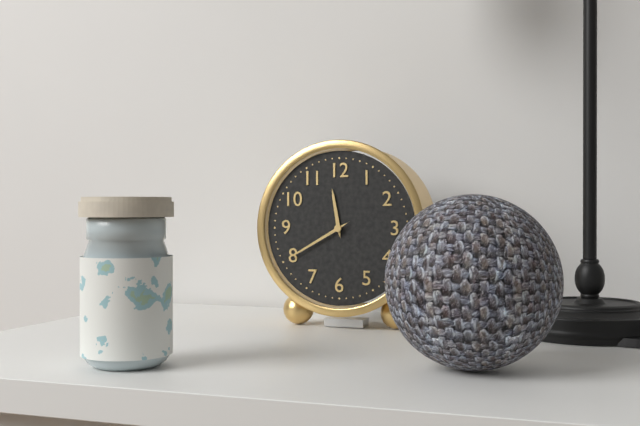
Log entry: {"hour": 11, "minute": 40}
